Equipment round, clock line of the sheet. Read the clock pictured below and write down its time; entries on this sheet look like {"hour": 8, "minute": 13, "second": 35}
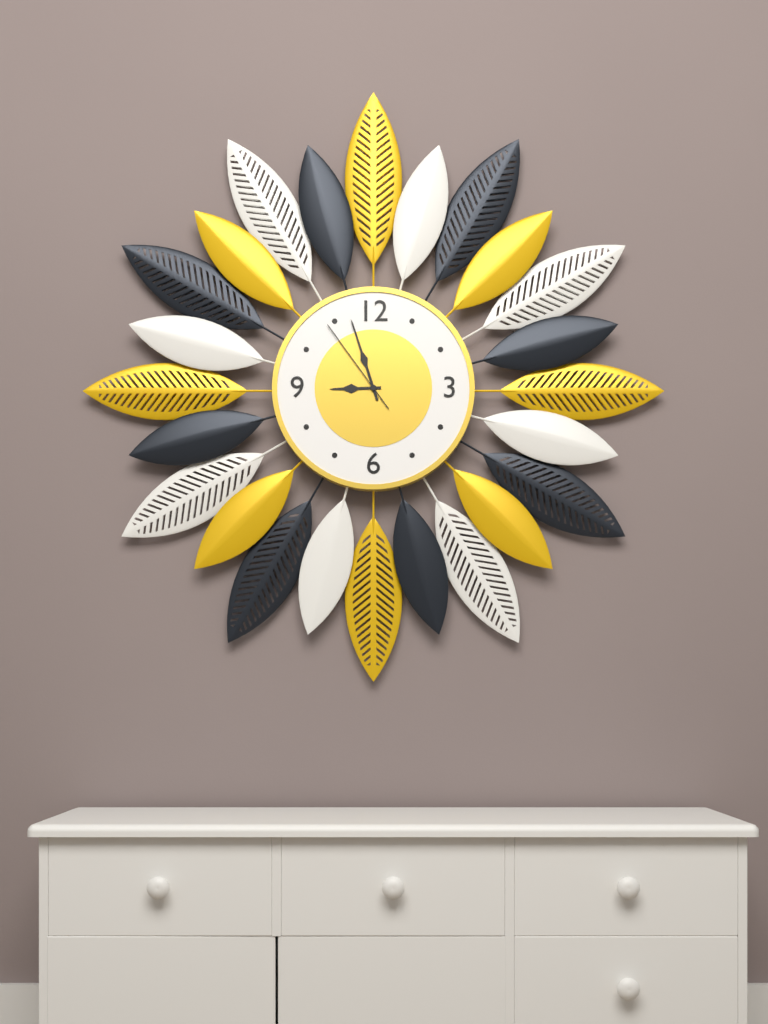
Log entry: {"hour": 8, "minute": 57, "second": 54}
